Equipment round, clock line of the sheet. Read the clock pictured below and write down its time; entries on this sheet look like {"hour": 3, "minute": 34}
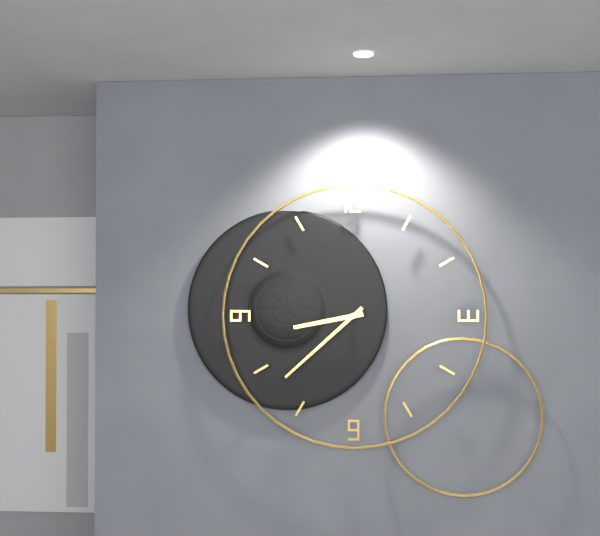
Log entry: {"hour": 8, "minute": 38}
